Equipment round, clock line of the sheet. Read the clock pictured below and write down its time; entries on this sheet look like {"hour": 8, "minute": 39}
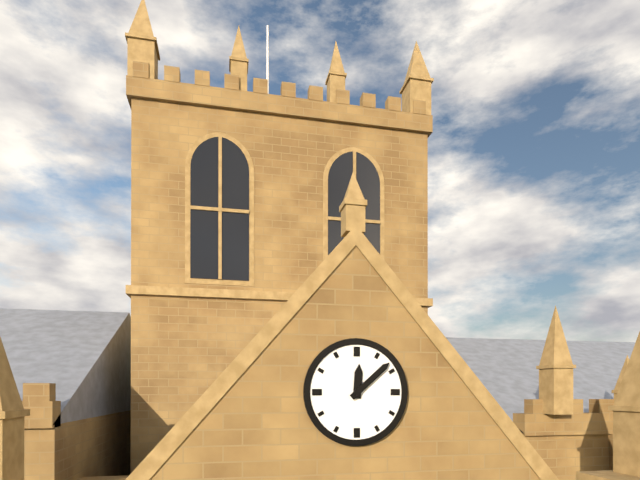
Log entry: {"hour": 12, "minute": 8}
